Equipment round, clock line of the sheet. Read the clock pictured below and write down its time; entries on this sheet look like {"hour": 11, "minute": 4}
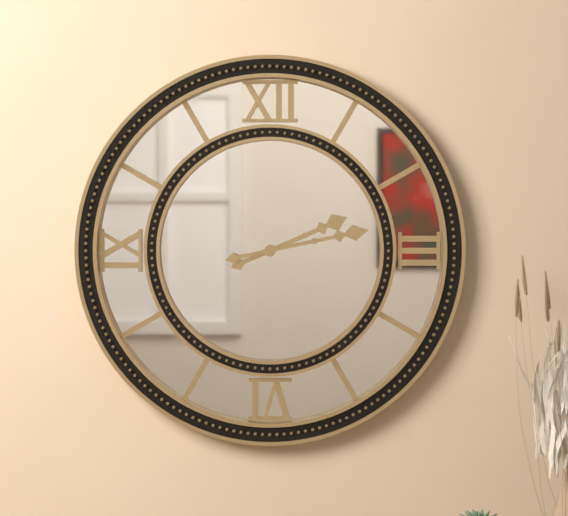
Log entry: {"hour": 2, "minute": 13}
